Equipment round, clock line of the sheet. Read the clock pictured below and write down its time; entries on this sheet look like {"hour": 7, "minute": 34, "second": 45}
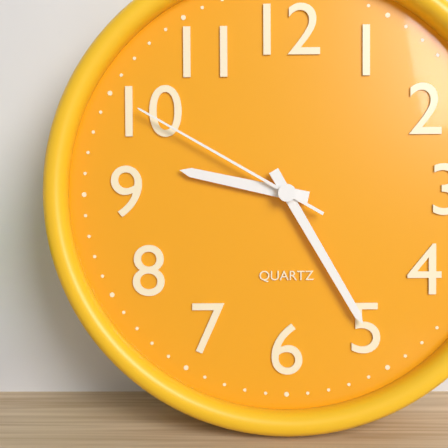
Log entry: {"hour": 9, "minute": 25, "second": 50}
